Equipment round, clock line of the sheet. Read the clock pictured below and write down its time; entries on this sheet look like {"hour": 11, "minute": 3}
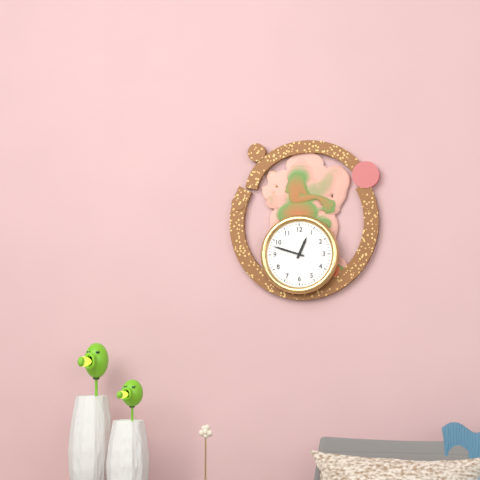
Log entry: {"hour": 12, "minute": 48}
